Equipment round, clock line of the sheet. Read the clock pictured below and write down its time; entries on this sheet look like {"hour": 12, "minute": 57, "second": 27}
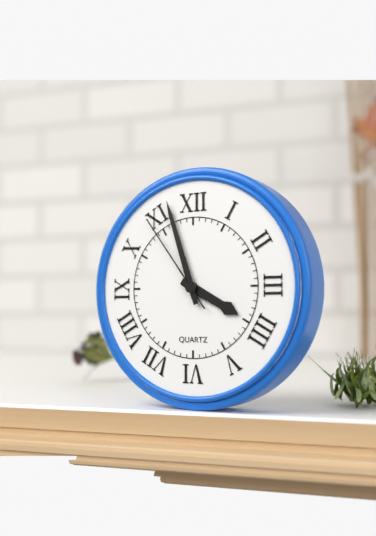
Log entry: {"hour": 3, "minute": 57, "second": 54}
